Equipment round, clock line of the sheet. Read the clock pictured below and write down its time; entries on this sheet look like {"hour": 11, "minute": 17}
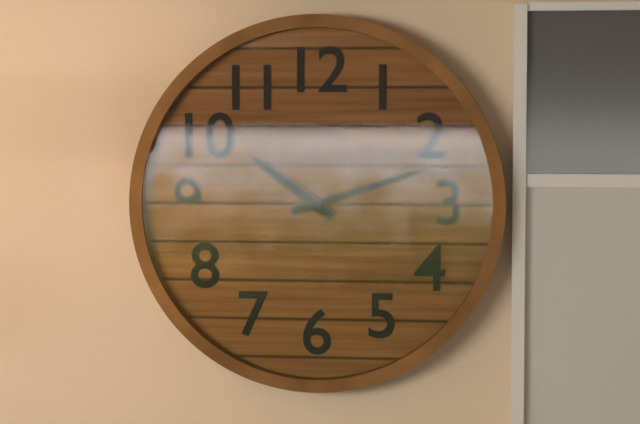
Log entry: {"hour": 10, "minute": 12}
